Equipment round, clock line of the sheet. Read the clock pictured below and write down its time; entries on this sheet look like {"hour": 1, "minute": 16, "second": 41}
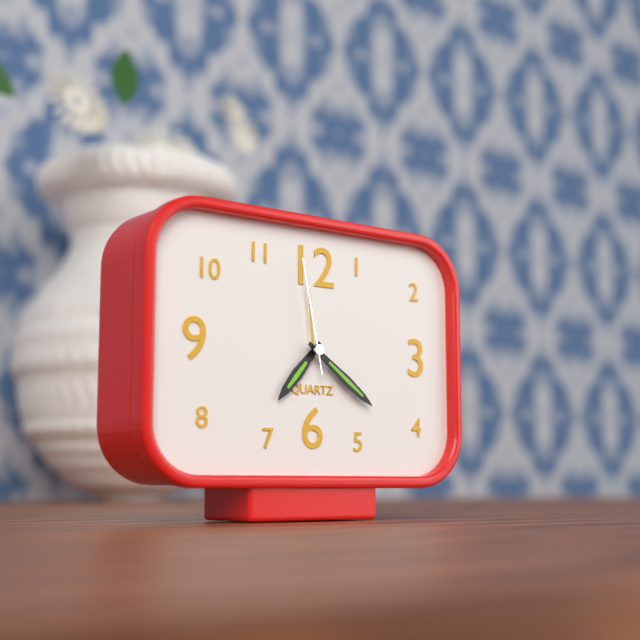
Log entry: {"hour": 7, "minute": 21, "second": 58}
